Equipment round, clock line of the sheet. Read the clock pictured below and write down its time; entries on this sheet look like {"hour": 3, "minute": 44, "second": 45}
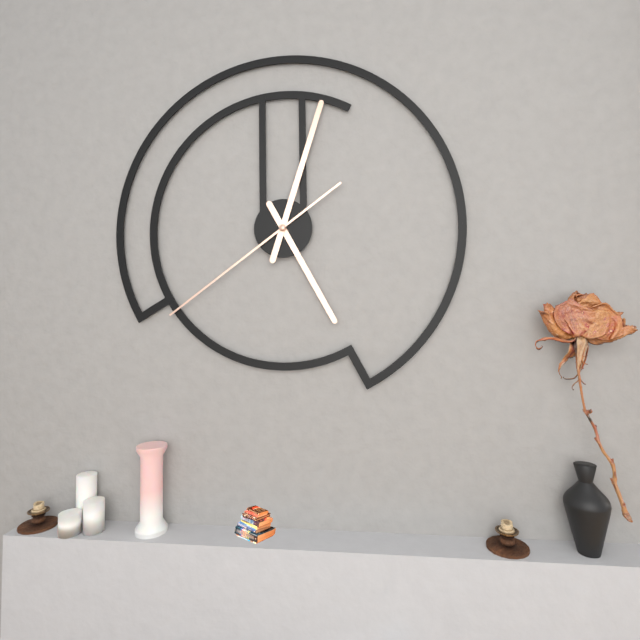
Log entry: {"hour": 5, "minute": 3, "second": 39}
